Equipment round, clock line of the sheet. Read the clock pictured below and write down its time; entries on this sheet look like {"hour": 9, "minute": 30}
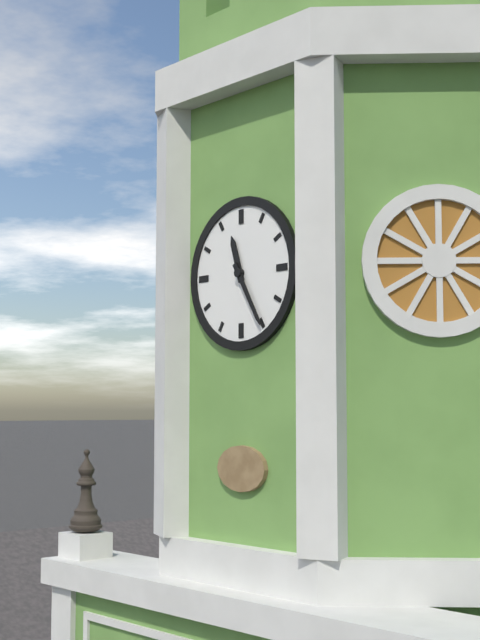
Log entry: {"hour": 11, "minute": 25}
